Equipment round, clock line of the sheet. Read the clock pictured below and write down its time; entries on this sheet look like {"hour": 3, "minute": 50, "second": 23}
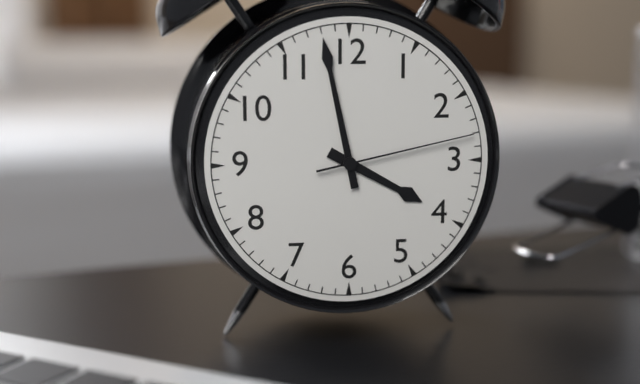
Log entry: {"hour": 3, "minute": 58, "second": 13}
